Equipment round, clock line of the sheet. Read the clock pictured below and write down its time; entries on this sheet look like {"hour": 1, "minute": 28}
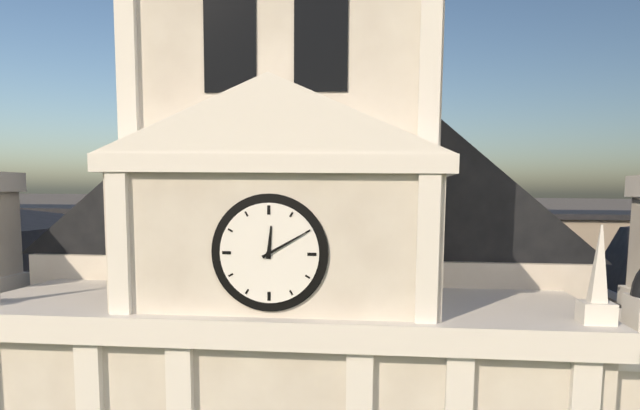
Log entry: {"hour": 12, "minute": 10}
